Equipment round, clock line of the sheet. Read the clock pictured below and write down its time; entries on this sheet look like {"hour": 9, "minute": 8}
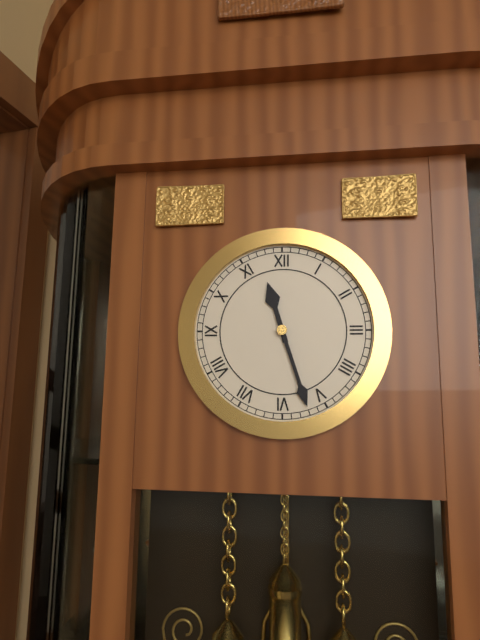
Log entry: {"hour": 11, "minute": 27}
